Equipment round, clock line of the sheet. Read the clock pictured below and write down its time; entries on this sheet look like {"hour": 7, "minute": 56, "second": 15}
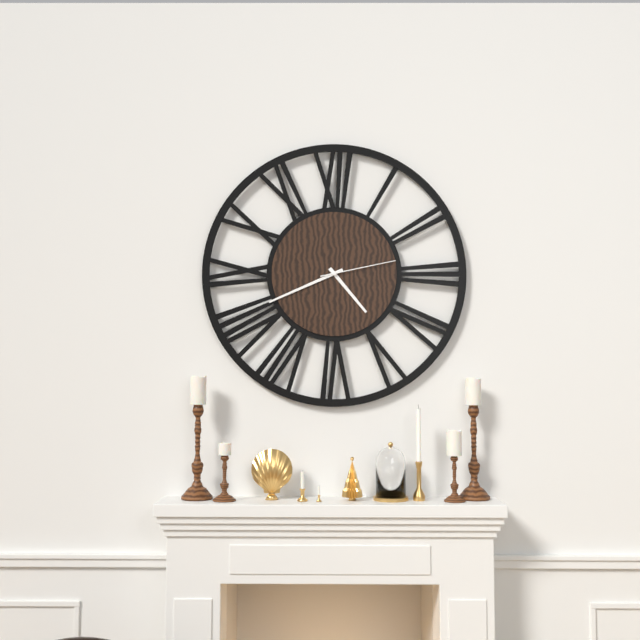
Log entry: {"hour": 4, "minute": 41, "second": 13}
